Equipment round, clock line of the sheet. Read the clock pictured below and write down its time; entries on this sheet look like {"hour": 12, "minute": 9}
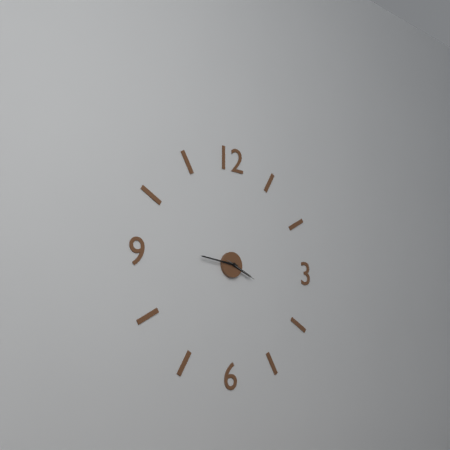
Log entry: {"hour": 3, "minute": 46}
